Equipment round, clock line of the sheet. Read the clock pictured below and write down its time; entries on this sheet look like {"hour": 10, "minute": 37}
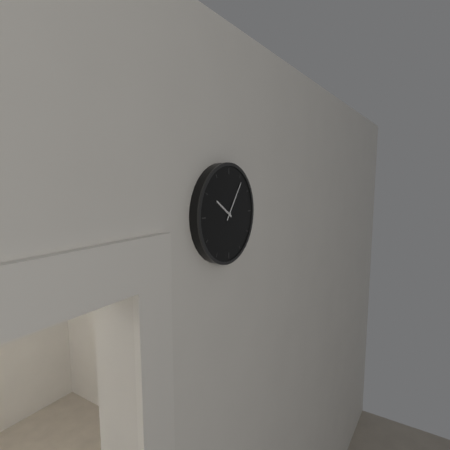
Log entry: {"hour": 10, "minute": 6}
